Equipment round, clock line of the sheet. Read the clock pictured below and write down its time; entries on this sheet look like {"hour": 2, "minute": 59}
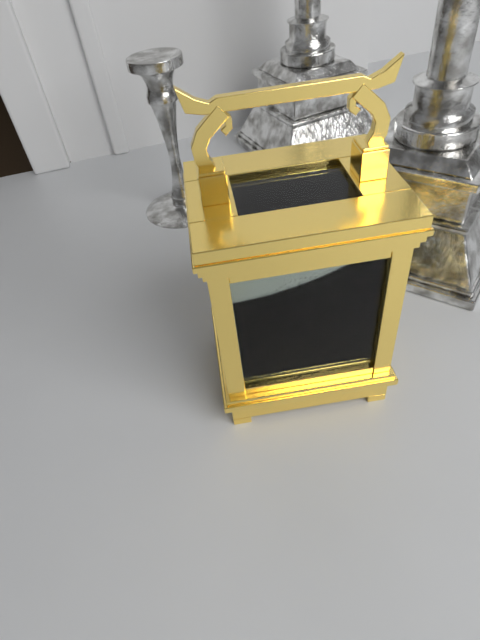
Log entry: {"hour": 12, "minute": 48}
